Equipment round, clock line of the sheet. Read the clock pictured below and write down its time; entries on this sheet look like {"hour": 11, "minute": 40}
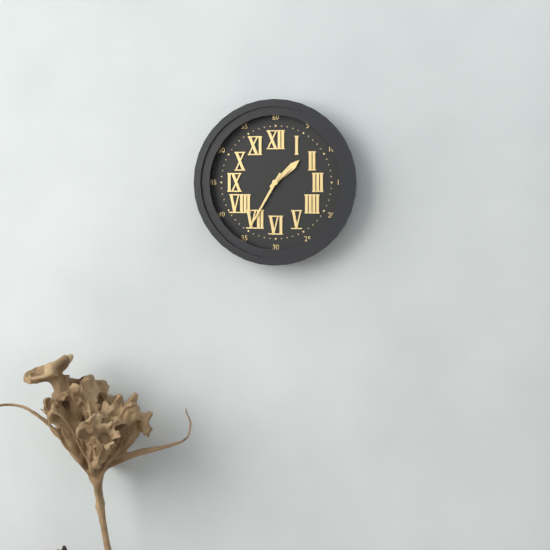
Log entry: {"hour": 1, "minute": 35}
